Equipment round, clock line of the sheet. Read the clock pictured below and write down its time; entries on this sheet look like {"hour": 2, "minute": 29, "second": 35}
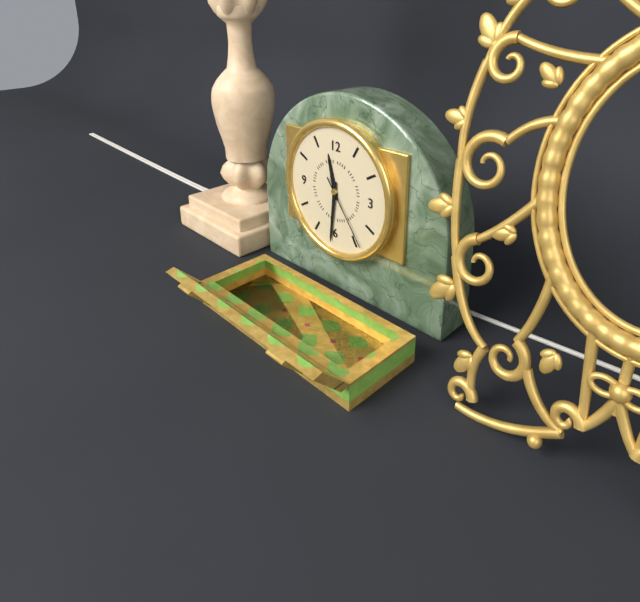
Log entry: {"hour": 11, "minute": 31, "second": 24}
